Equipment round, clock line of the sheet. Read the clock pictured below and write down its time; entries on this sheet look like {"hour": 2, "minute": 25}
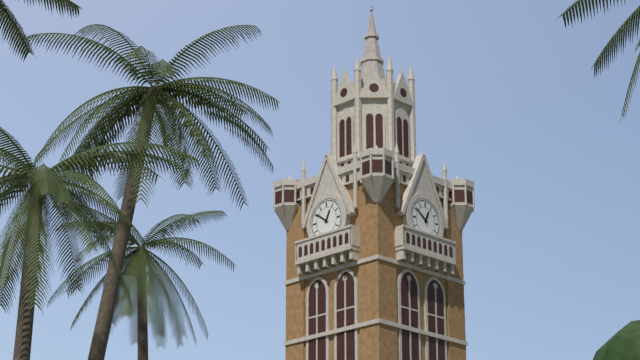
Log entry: {"hour": 12, "minute": 51}
